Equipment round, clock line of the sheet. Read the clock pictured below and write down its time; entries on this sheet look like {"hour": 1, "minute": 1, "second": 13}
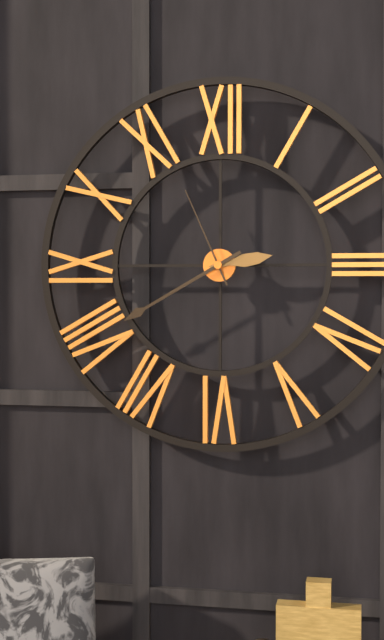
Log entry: {"hour": 2, "minute": 40, "second": 56}
